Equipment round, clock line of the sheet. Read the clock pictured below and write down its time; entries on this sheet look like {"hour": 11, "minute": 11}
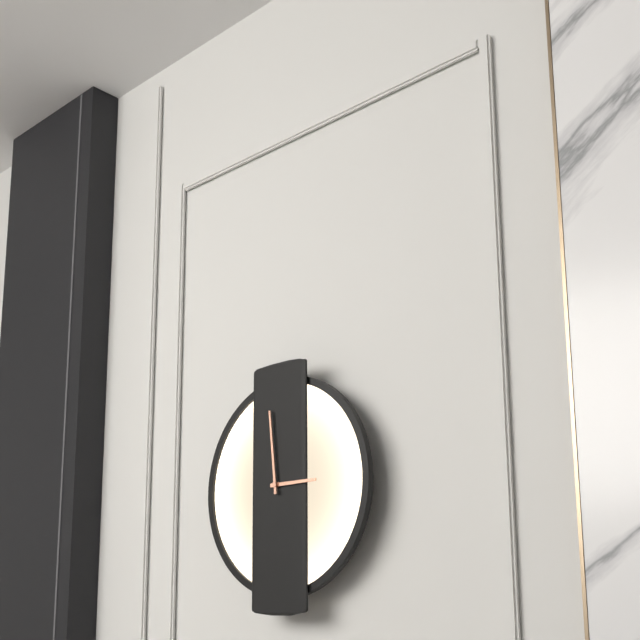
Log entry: {"hour": 2, "minute": 59}
